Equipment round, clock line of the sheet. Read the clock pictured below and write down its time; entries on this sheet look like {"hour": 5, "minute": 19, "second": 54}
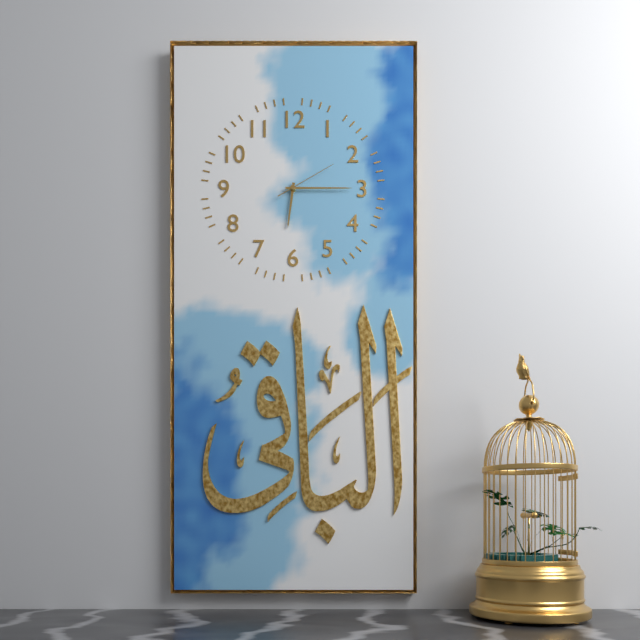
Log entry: {"hour": 6, "minute": 15, "second": 10}
